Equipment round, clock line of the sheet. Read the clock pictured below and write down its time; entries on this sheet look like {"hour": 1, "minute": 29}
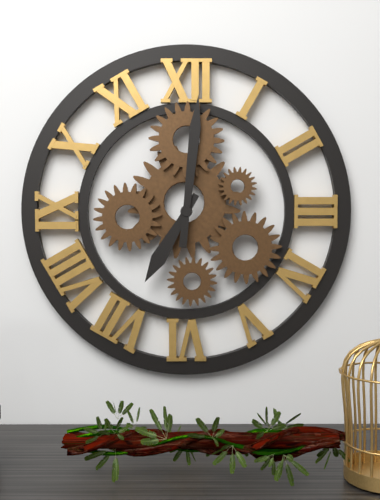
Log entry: {"hour": 7, "minute": 1}
